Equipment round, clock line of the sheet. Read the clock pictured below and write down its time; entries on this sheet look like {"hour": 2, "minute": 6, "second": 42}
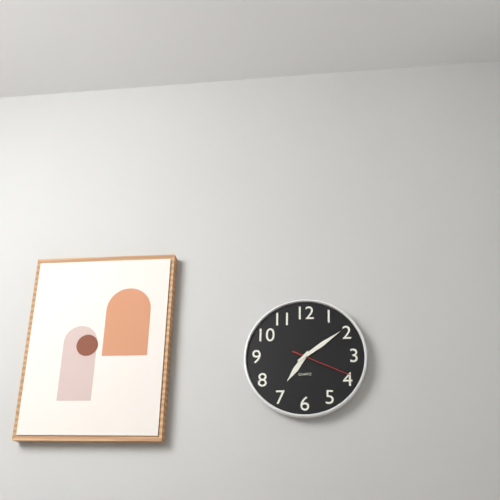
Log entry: {"hour": 7, "minute": 9, "second": 19}
